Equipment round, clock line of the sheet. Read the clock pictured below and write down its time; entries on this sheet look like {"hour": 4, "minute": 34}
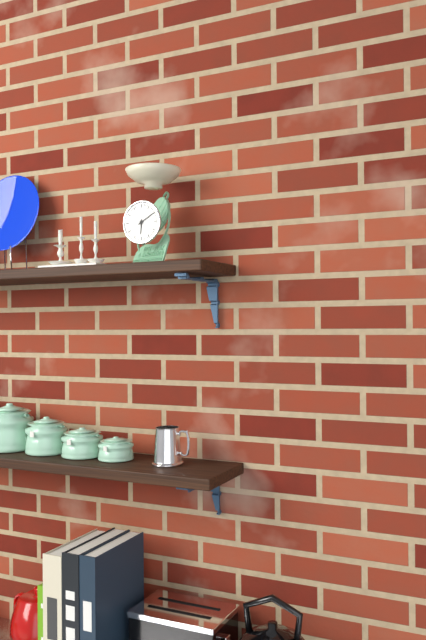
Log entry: {"hour": 6, "minute": 10}
